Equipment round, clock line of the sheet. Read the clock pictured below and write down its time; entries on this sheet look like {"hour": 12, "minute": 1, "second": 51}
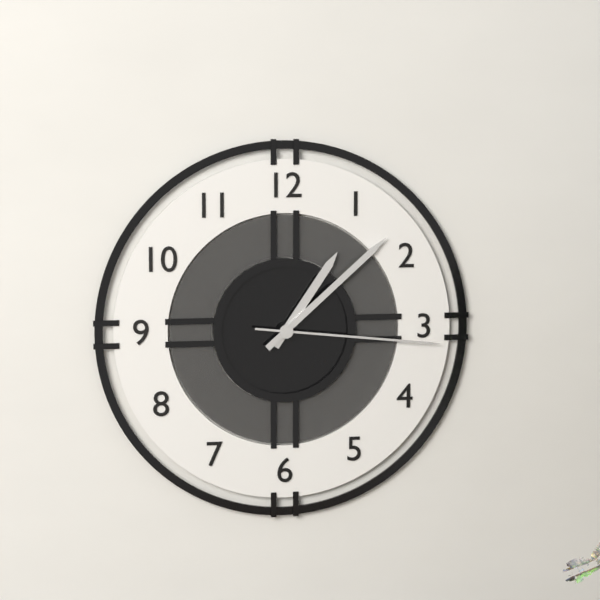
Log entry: {"hour": 1, "minute": 8, "second": 16}
